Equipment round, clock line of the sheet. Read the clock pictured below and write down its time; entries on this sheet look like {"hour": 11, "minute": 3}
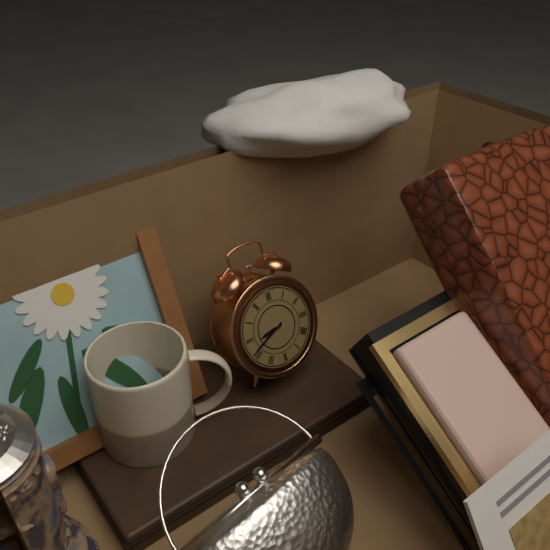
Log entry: {"hour": 8, "minute": 41}
